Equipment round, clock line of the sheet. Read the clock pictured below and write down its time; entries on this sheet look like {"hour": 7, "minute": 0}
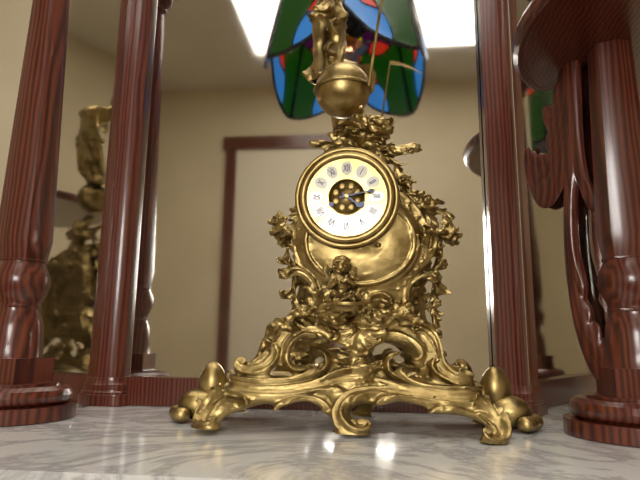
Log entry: {"hour": 4, "minute": 13}
